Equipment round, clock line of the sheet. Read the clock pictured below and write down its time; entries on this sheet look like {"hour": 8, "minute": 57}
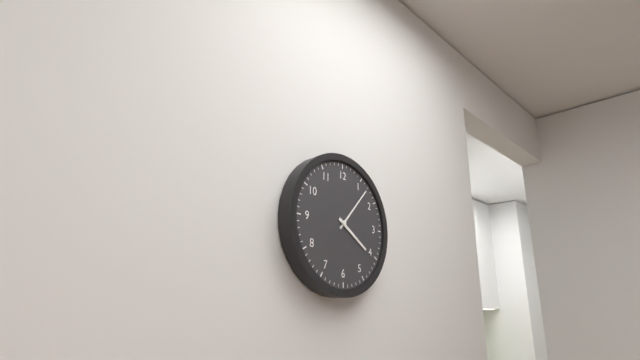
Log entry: {"hour": 4, "minute": 7}
